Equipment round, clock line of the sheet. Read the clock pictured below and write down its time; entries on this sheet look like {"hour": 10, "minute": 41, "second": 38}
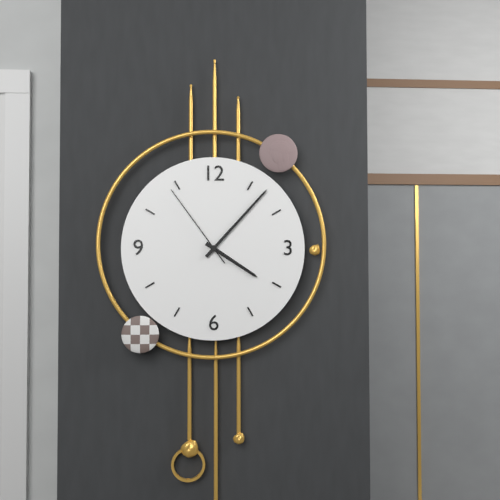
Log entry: {"hour": 4, "minute": 7, "second": 54}
